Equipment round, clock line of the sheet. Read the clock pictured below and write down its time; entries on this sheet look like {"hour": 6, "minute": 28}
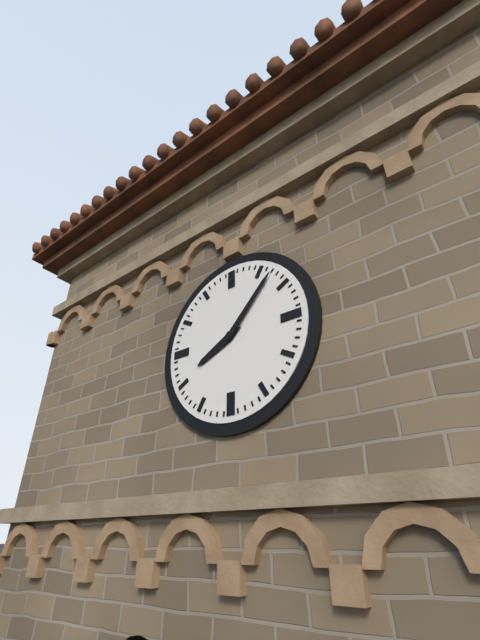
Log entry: {"hour": 8, "minute": 7}
